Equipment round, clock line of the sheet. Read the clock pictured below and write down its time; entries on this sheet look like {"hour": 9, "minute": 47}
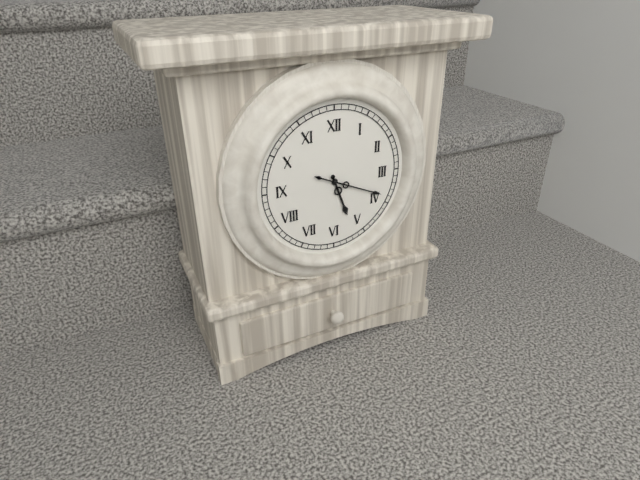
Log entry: {"hour": 5, "minute": 19}
